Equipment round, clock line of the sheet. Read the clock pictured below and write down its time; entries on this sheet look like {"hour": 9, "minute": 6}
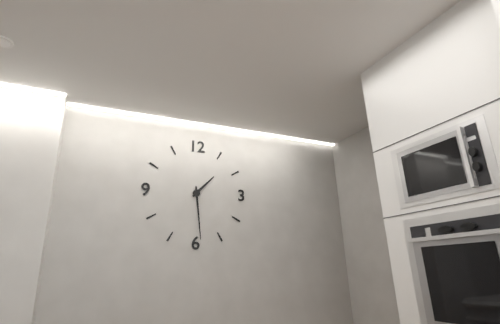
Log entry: {"hour": 1, "minute": 29}
